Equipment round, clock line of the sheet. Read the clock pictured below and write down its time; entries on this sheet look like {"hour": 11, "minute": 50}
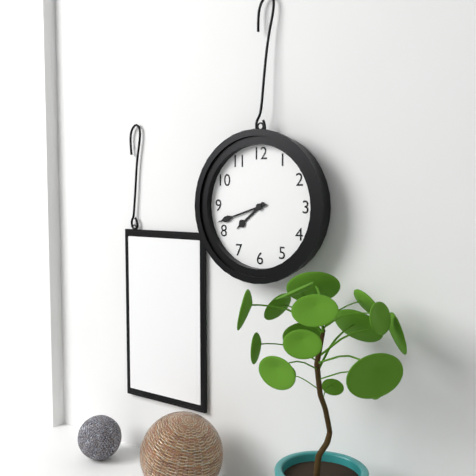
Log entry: {"hour": 7, "minute": 42}
